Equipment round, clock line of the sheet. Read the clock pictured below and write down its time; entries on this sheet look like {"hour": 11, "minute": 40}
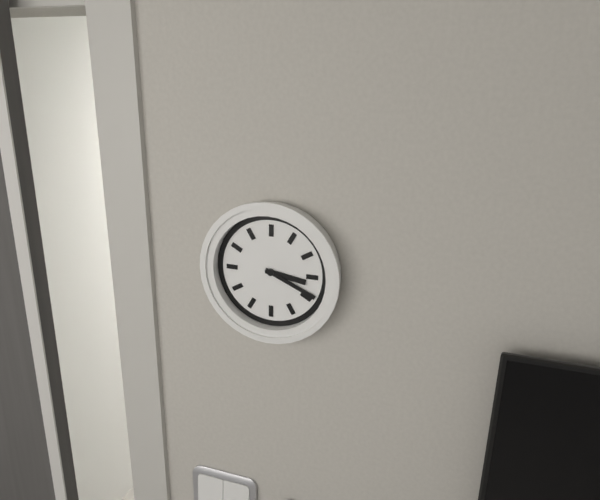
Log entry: {"hour": 3, "minute": 19}
